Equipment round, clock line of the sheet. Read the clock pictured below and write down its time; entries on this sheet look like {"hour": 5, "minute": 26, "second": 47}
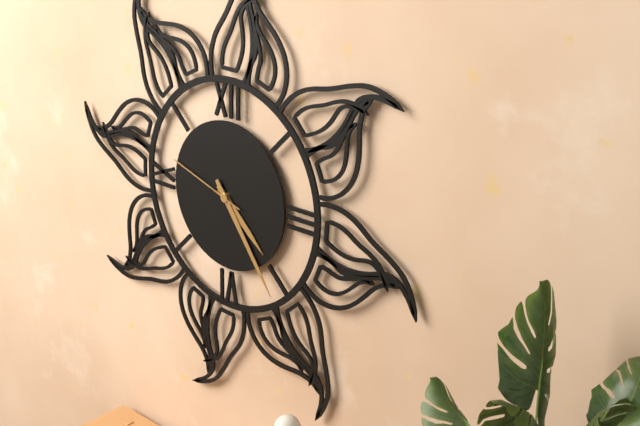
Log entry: {"hour": 4, "minute": 24, "second": 48}
